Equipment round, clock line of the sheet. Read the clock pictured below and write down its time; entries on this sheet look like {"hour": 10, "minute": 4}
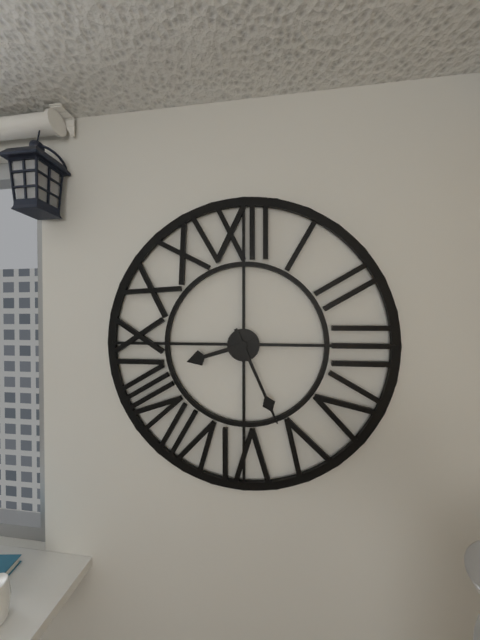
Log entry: {"hour": 8, "minute": 26}
